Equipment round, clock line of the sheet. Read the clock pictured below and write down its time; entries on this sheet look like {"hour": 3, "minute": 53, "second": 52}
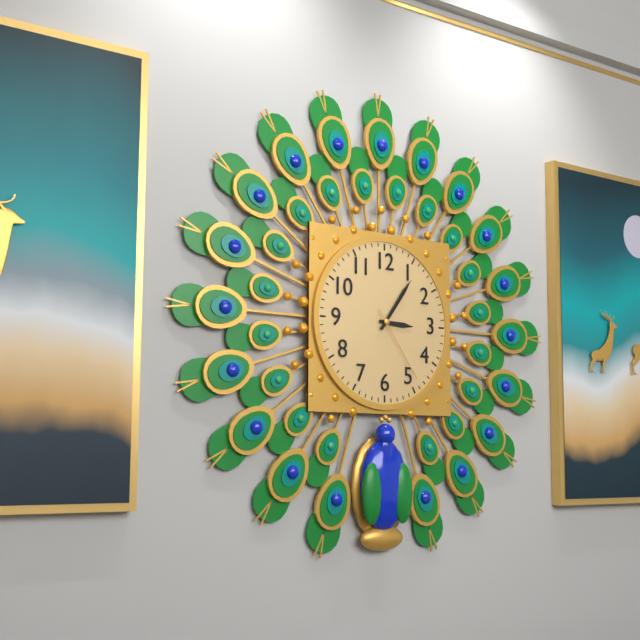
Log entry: {"hour": 3, "minute": 6, "second": 24}
